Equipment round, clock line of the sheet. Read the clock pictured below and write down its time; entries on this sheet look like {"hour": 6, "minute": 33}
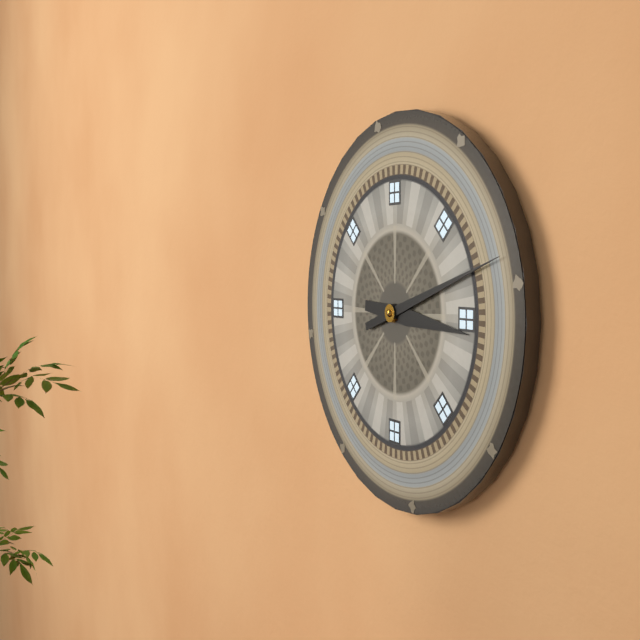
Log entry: {"hour": 3, "minute": 12}
